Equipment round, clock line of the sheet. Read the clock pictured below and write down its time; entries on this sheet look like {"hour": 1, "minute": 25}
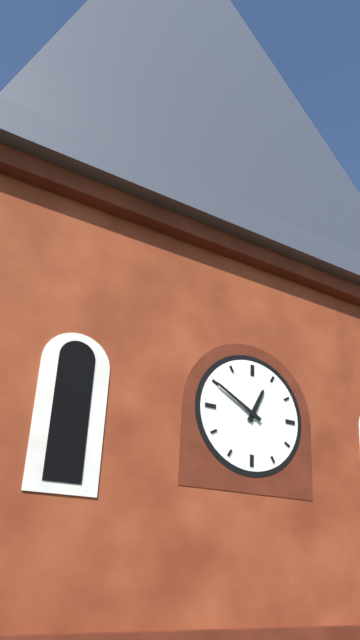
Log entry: {"hour": 12, "minute": 50}
